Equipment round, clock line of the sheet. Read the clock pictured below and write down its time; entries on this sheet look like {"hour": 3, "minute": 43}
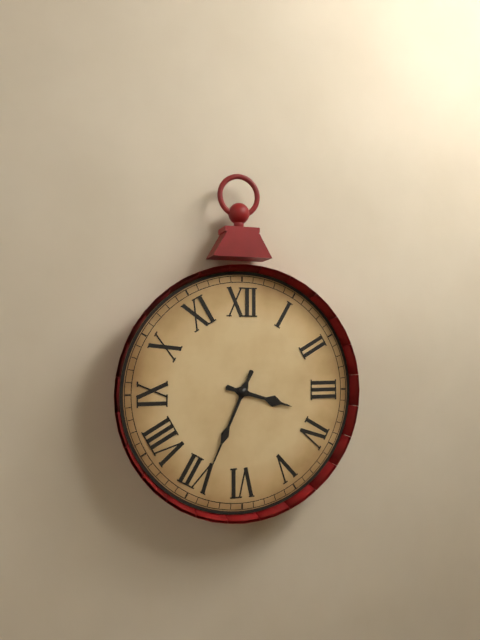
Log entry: {"hour": 3, "minute": 34}
